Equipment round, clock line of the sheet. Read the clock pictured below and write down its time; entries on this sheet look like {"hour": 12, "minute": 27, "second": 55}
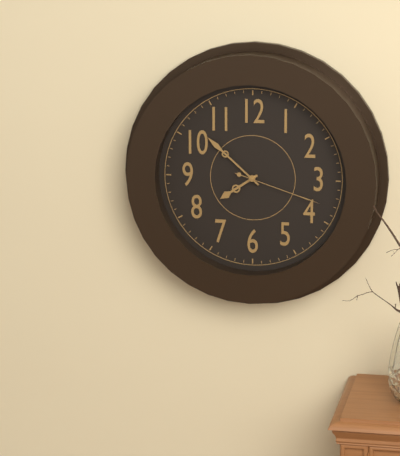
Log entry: {"hour": 7, "minute": 52, "second": 18}
